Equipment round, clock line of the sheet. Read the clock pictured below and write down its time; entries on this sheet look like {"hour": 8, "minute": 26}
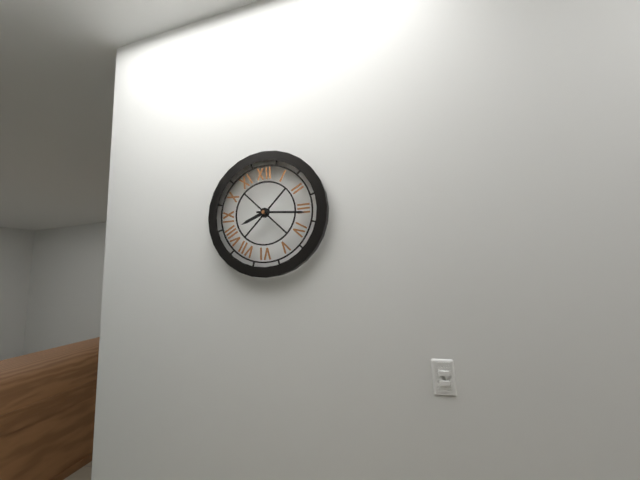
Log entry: {"hour": 8, "minute": 16}
